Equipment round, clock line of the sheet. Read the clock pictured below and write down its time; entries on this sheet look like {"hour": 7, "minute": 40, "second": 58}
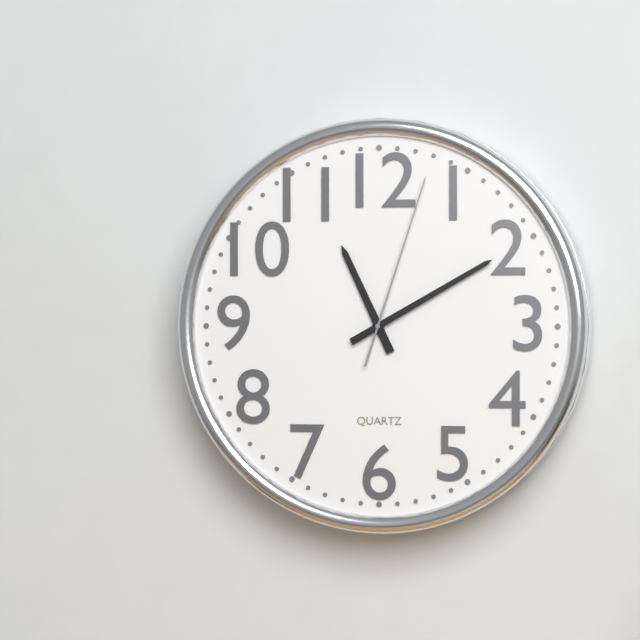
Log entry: {"hour": 11, "minute": 10, "second": 3}
